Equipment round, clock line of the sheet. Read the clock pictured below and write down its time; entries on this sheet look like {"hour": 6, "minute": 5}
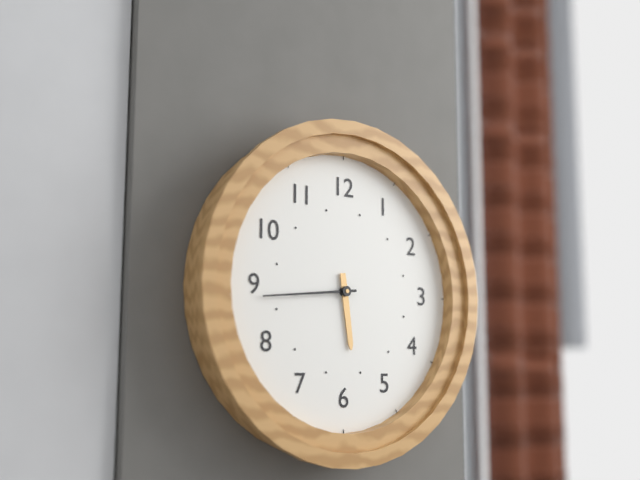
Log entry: {"hour": 5, "minute": 44}
